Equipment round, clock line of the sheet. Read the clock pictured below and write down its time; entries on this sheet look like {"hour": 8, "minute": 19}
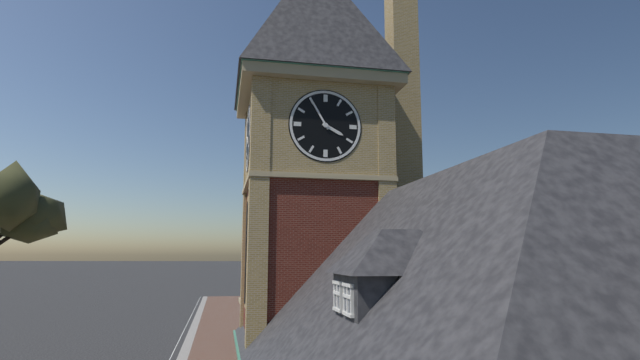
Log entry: {"hour": 3, "minute": 55}
